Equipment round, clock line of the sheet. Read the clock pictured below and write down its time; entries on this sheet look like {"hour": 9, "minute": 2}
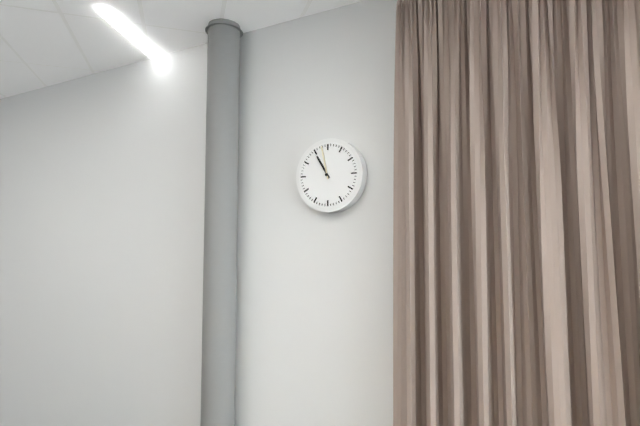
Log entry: {"hour": 10, "minute": 58}
